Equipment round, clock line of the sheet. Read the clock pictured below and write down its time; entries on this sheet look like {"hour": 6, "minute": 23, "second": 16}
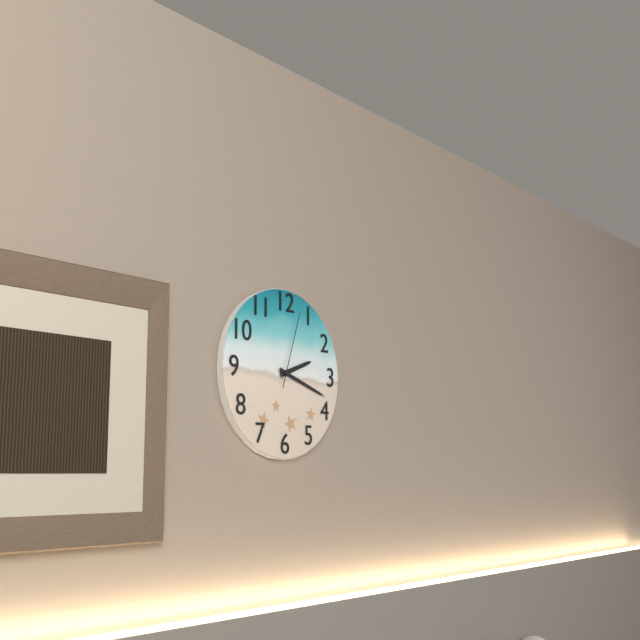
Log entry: {"hour": 2, "minute": 18, "second": 3}
